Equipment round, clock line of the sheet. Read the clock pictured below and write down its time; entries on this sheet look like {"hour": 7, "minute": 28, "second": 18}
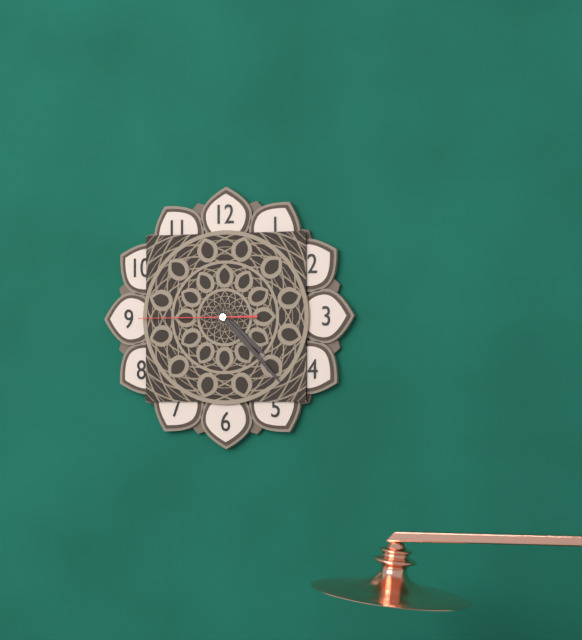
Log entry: {"hour": 4, "minute": 23, "second": 45}
